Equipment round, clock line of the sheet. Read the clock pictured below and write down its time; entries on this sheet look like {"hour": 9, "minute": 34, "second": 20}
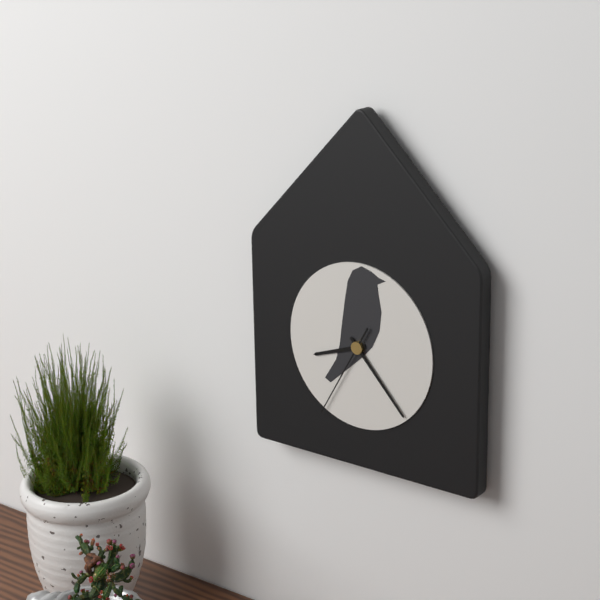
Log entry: {"hour": 8, "minute": 23, "second": 35}
